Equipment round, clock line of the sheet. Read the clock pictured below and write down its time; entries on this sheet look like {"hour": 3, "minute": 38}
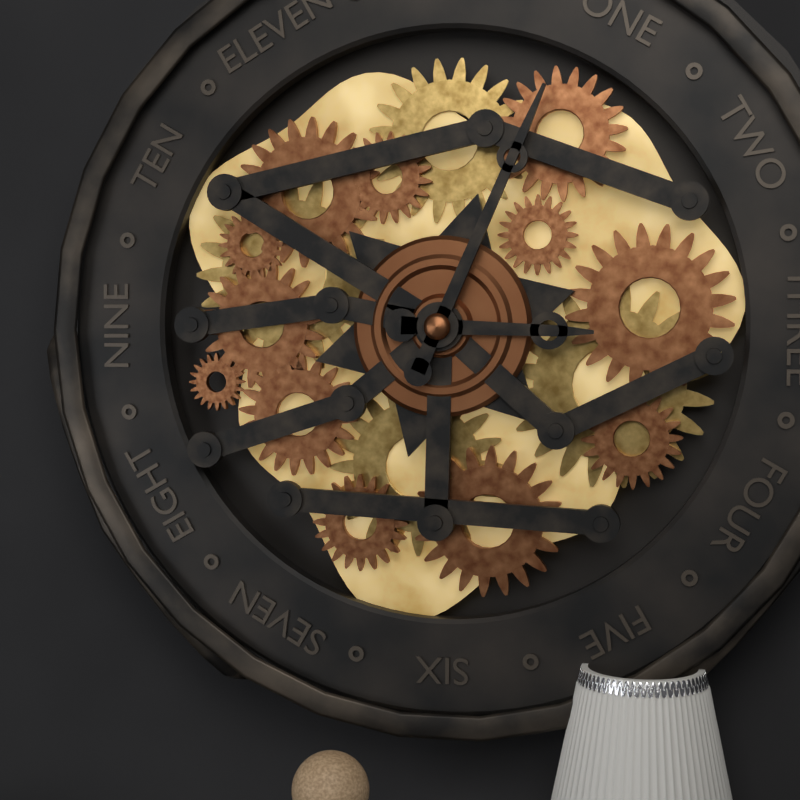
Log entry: {"hour": 3, "minute": 4}
